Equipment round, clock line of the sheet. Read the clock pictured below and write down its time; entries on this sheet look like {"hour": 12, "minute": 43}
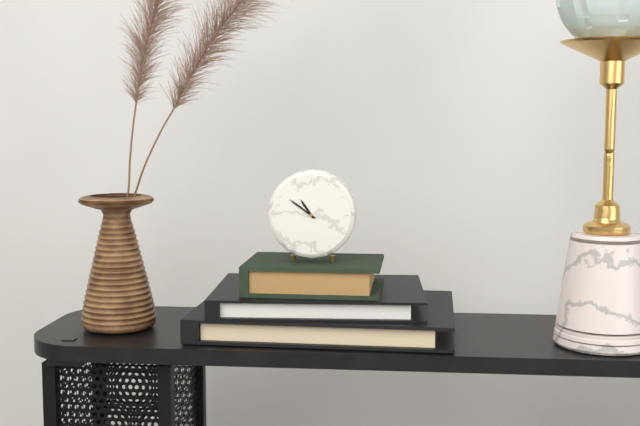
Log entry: {"hour": 10, "minute": 51}
